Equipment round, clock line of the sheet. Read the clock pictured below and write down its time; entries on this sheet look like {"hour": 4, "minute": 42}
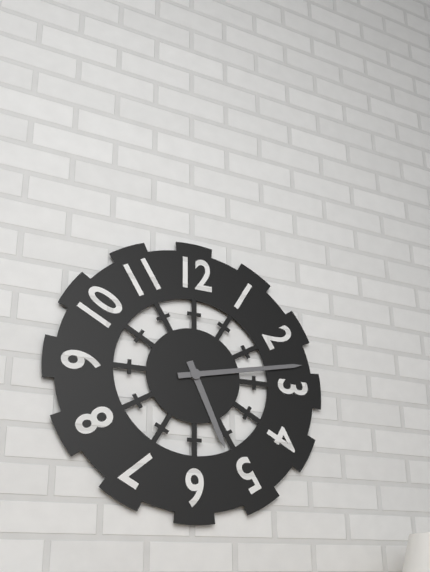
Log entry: {"hour": 5, "minute": 13}
